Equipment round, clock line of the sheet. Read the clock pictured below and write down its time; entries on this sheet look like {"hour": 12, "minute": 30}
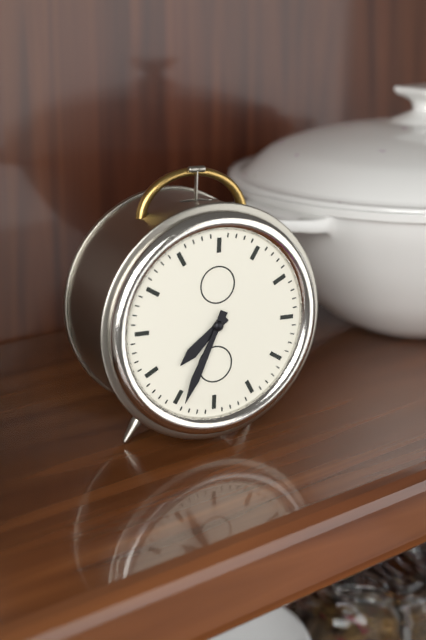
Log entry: {"hour": 7, "minute": 34}
